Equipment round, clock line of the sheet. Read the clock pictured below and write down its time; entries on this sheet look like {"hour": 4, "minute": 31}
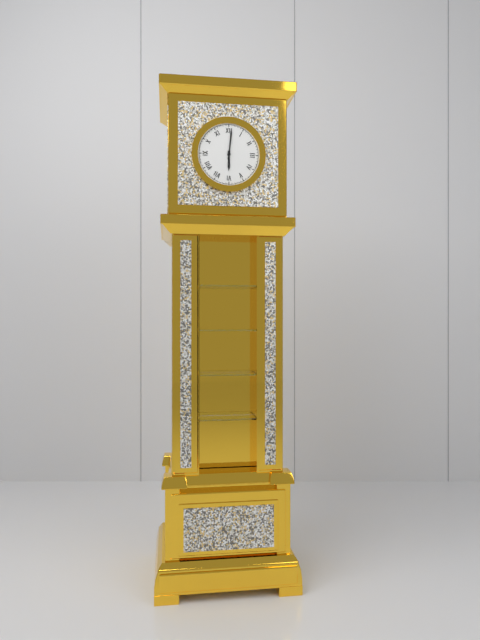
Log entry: {"hour": 6, "minute": 1}
